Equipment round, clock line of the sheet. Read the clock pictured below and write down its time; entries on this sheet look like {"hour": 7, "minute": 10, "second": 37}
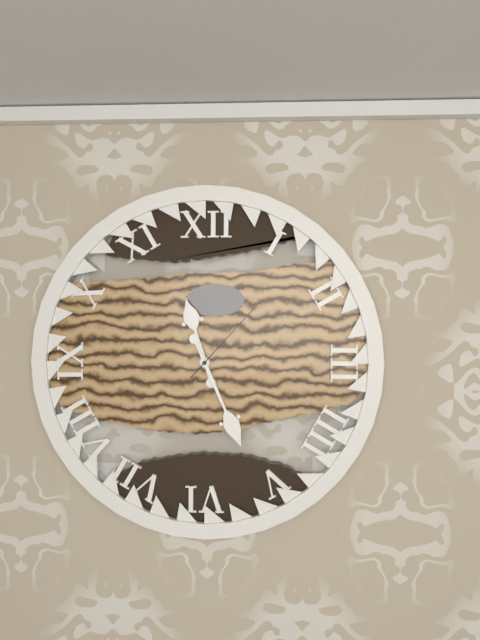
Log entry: {"hour": 11, "minute": 26, "second": 7}
